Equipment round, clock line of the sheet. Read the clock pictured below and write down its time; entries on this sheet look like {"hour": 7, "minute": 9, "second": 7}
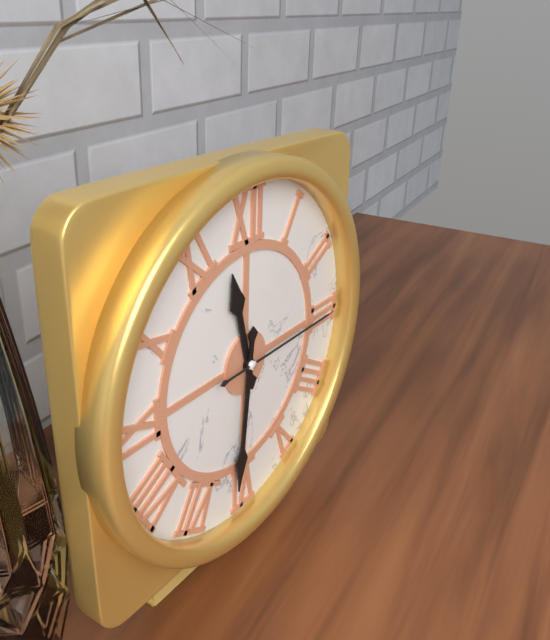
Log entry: {"hour": 11, "minute": 31, "second": 15}
